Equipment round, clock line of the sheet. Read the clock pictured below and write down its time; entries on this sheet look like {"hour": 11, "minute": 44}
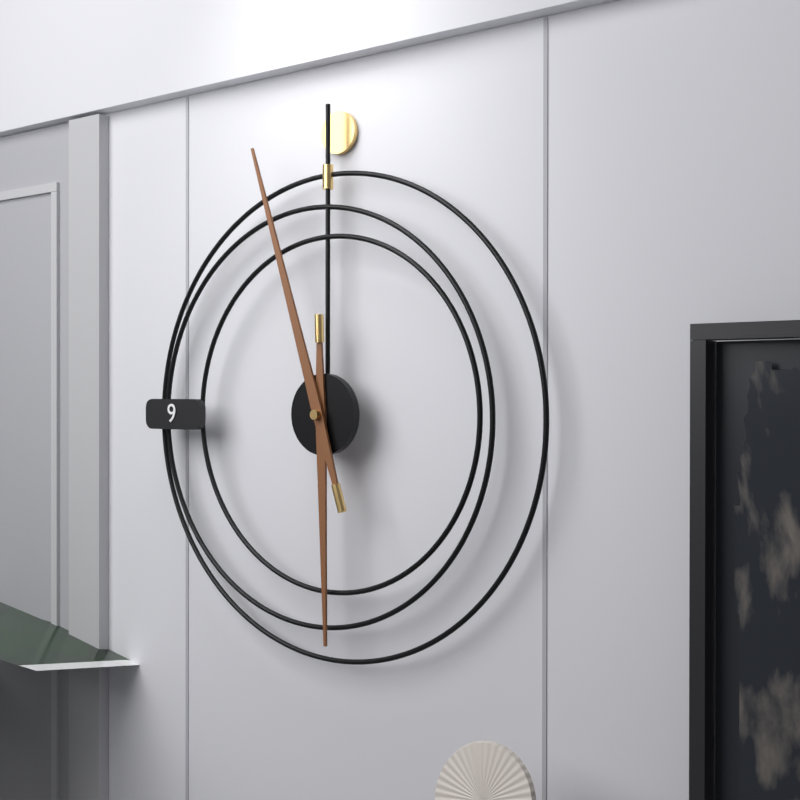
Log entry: {"hour": 5, "minute": 57}
